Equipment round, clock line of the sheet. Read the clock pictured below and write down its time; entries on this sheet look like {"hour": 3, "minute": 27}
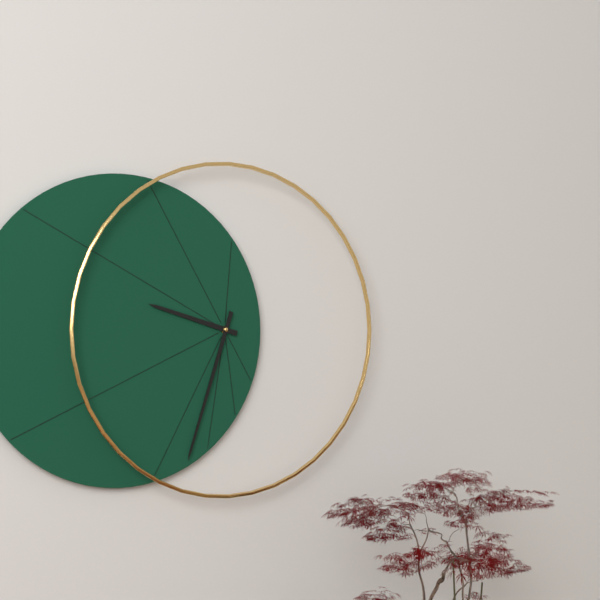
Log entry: {"hour": 9, "minute": 33}
